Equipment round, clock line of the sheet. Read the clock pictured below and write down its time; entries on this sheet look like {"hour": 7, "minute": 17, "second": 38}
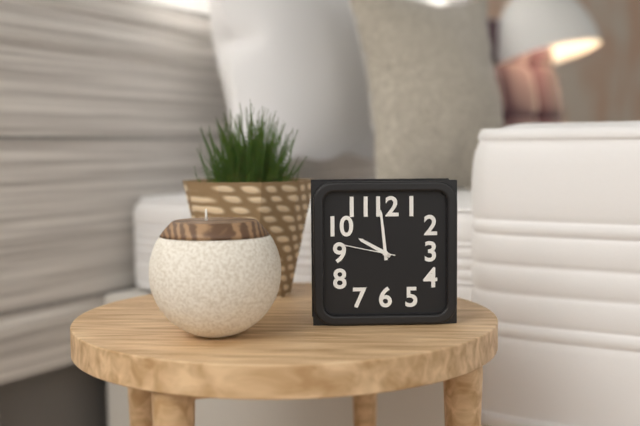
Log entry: {"hour": 9, "minute": 59, "second": 47}
